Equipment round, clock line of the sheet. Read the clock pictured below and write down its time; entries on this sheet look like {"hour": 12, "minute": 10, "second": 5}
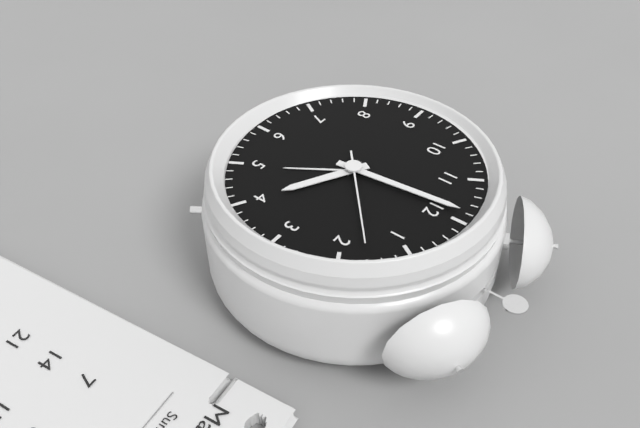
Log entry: {"hour": 3, "minute": 59, "second": 8}
